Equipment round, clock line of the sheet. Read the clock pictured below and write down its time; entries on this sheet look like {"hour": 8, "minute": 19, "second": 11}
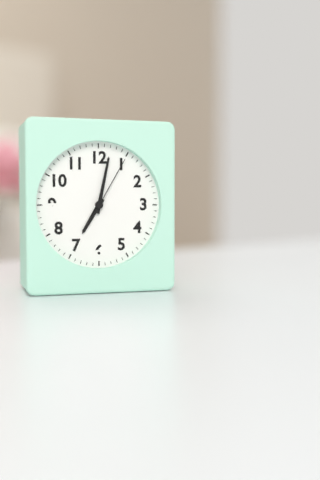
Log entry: {"hour": 7, "minute": 2, "second": 5}
